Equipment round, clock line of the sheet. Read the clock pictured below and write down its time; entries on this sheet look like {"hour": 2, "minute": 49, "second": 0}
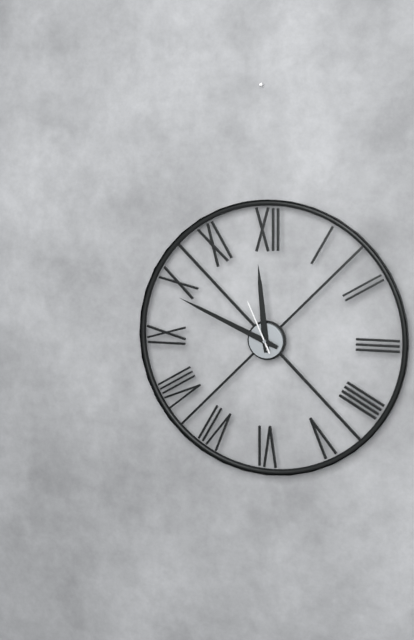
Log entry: {"hour": 11, "minute": 49, "second": 56}
